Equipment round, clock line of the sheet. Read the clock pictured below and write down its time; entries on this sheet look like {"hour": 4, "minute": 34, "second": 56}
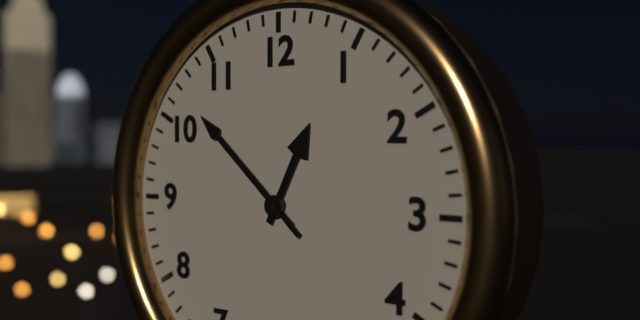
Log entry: {"hour": 12, "minute": 52, "second": 52}
